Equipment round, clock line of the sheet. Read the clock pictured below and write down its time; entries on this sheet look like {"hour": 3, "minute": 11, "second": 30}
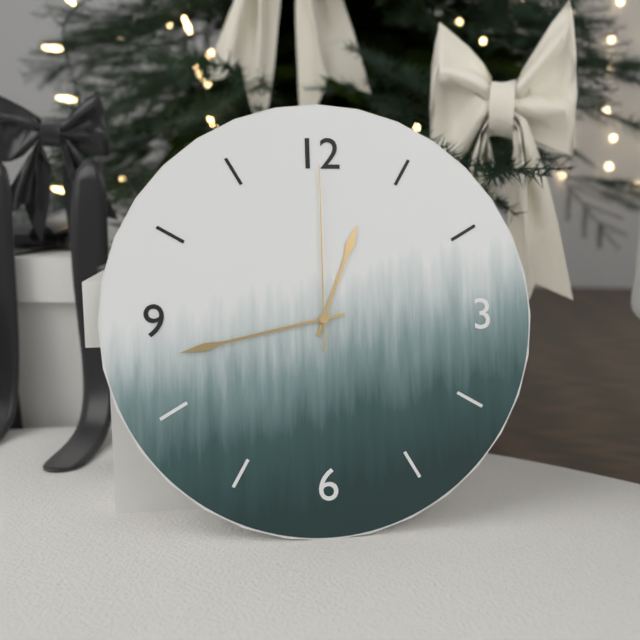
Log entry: {"hour": 12, "minute": 43, "second": 0}
